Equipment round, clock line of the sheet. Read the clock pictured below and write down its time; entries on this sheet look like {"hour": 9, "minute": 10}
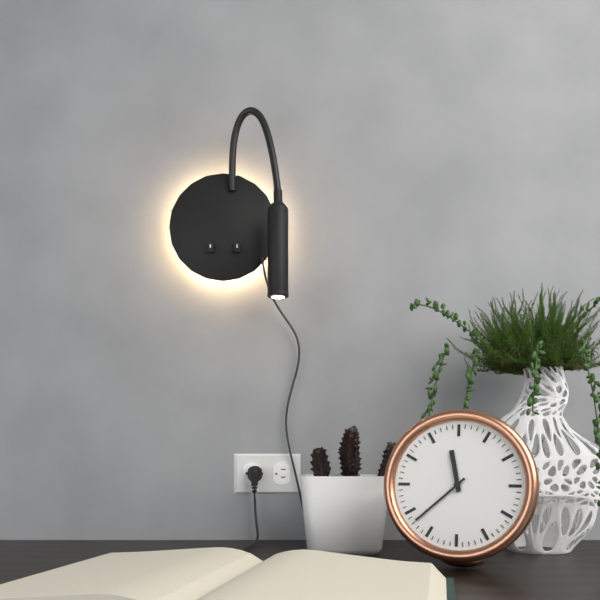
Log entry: {"hour": 11, "minute": 38}
